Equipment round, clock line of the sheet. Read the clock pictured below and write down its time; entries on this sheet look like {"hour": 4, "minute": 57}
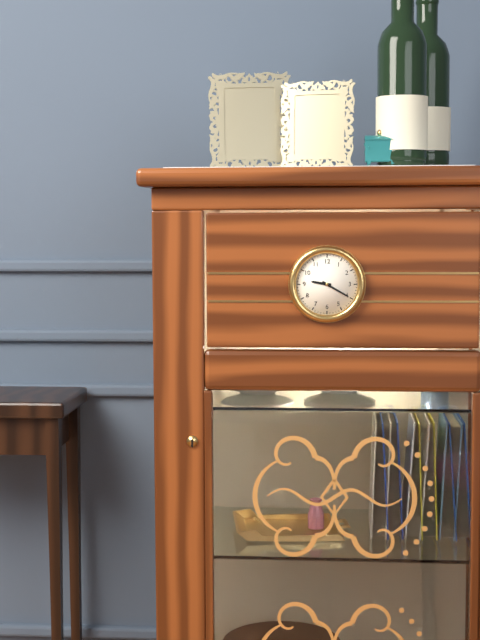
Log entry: {"hour": 9, "minute": 20}
